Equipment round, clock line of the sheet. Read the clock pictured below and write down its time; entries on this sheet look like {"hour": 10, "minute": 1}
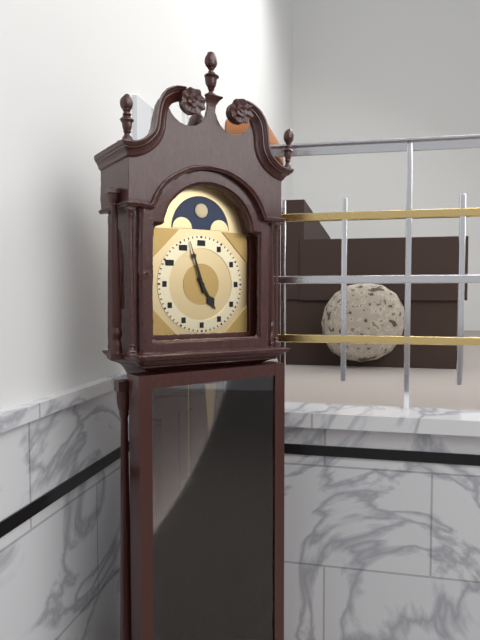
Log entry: {"hour": 4, "minute": 57}
